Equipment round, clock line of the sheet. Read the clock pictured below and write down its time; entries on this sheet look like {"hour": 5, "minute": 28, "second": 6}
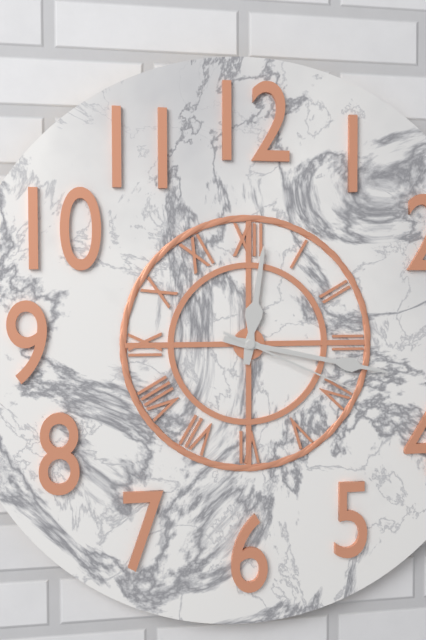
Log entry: {"hour": 12, "minute": 17, "second": 19}
